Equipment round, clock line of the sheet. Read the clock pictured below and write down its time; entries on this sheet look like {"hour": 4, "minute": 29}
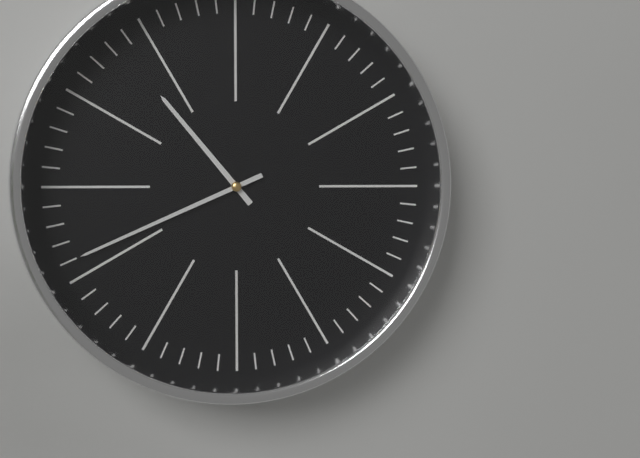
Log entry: {"hour": 10, "minute": 41}
